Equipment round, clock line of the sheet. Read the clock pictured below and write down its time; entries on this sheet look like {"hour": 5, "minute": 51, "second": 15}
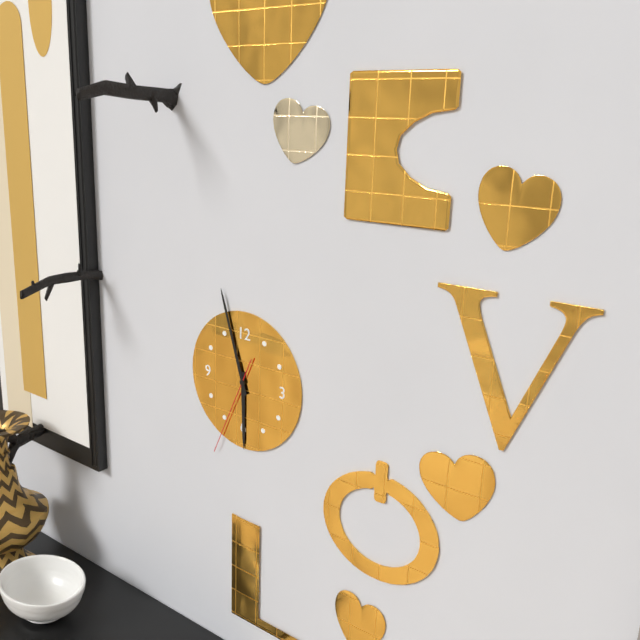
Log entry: {"hour": 5, "minute": 57, "second": 34}
